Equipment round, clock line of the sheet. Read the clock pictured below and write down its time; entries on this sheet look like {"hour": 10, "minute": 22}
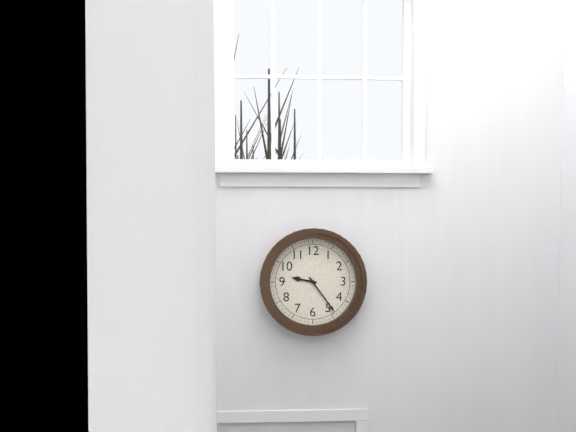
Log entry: {"hour": 9, "minute": 24}
